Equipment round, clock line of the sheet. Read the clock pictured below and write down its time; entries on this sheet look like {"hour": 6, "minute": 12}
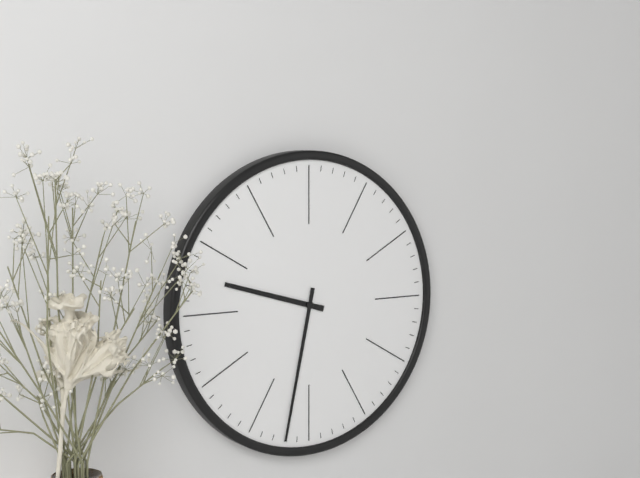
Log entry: {"hour": 9, "minute": 32}
